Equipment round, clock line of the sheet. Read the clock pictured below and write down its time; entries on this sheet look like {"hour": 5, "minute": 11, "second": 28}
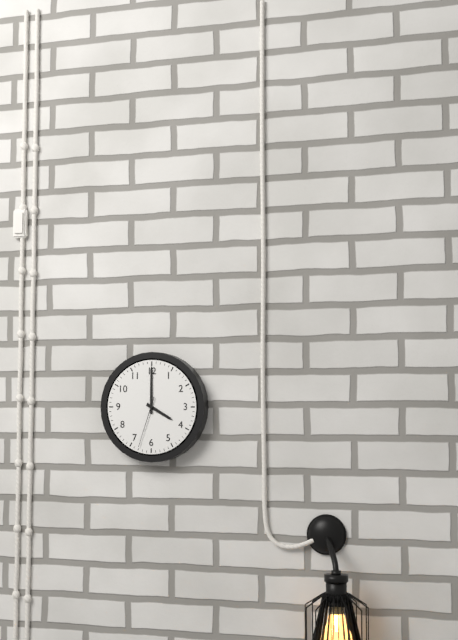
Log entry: {"hour": 4, "minute": 0, "second": 33}
